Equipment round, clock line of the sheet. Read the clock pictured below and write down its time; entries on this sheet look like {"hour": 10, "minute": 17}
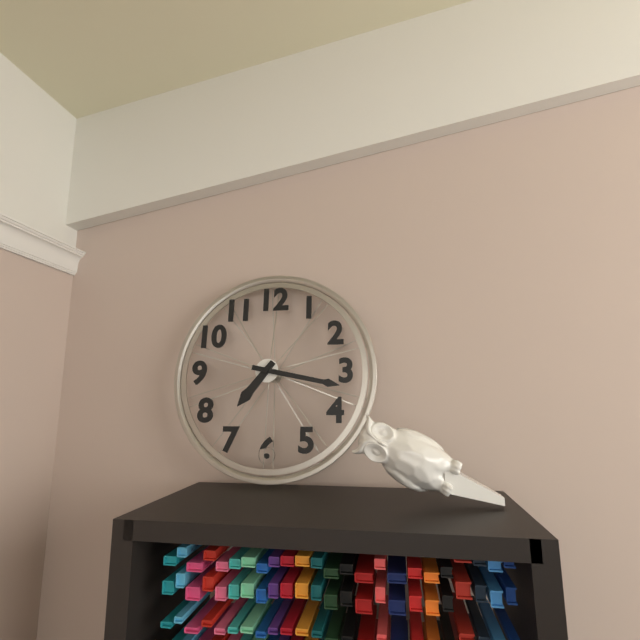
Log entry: {"hour": 7, "minute": 17}
